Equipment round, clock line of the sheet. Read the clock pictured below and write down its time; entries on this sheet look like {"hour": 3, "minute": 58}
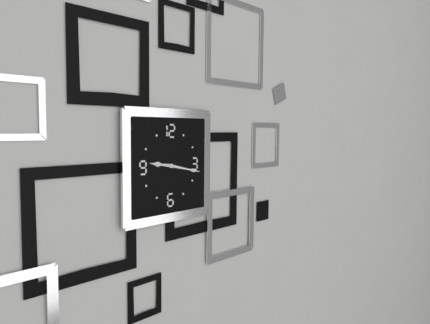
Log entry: {"hour": 9, "minute": 17}
